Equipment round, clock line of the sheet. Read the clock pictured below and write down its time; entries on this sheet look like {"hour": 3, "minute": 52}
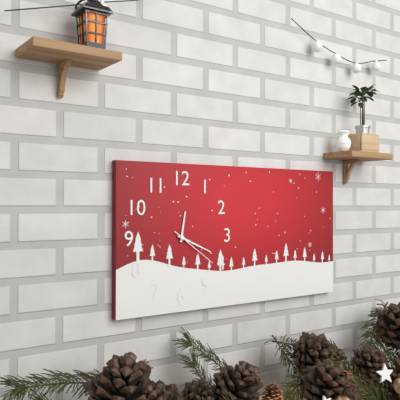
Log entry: {"hour": 12, "minute": 19}
